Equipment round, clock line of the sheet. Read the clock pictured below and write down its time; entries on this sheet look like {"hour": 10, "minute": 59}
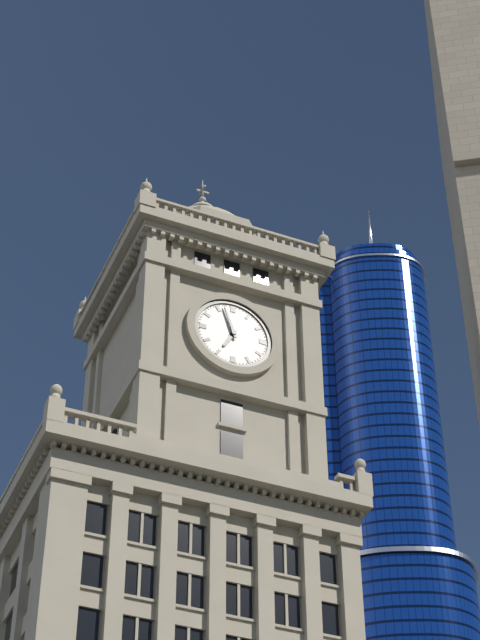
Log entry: {"hour": 6, "minute": 57}
